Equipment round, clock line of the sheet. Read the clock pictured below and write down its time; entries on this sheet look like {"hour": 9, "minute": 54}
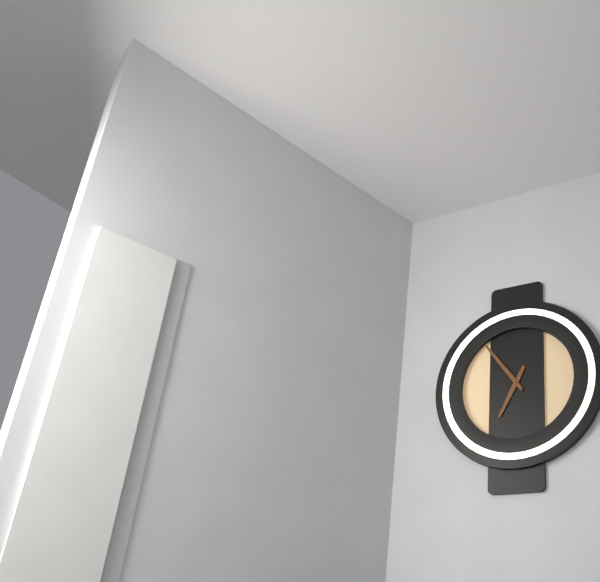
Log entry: {"hour": 6, "minute": 54}
